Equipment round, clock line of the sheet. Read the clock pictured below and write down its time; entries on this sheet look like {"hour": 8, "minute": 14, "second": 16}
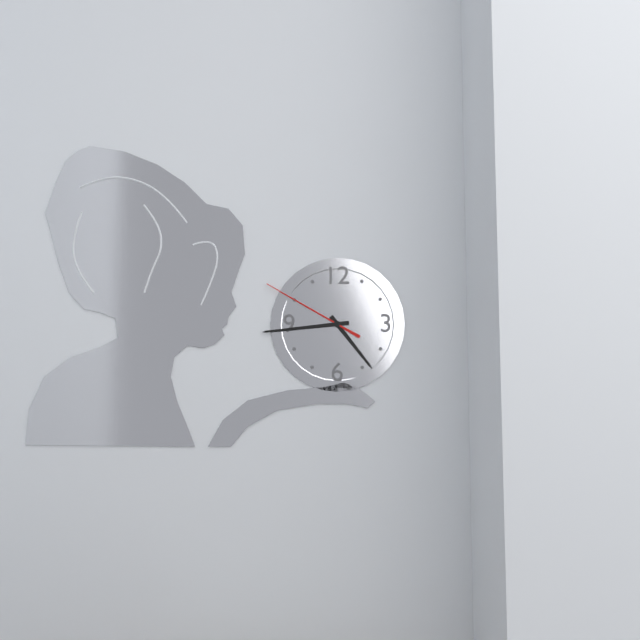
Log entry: {"hour": 4, "minute": 44, "second": 50}
